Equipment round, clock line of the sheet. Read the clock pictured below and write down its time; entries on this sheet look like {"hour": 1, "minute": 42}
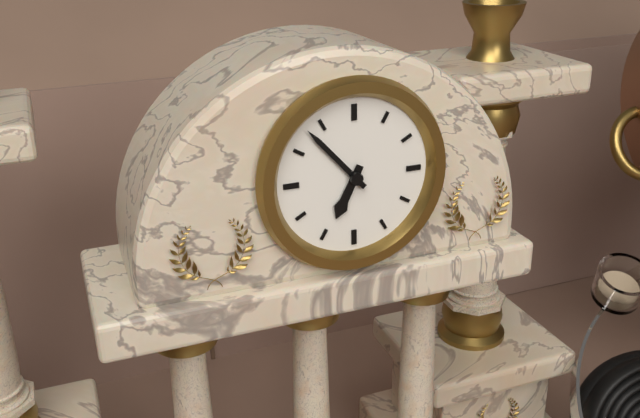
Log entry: {"hour": 6, "minute": 53}
